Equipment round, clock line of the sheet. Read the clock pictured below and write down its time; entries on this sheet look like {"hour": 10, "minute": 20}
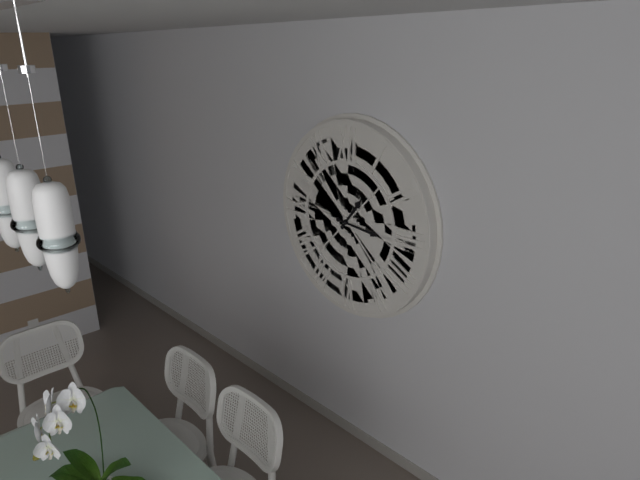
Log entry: {"hour": 1, "minute": 16}
